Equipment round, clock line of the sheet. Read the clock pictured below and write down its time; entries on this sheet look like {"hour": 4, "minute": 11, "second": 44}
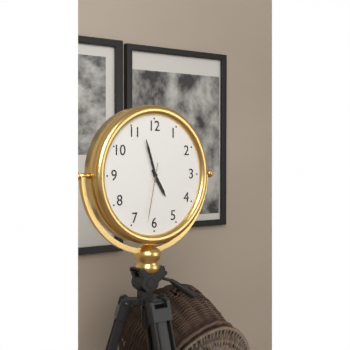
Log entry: {"hour": 4, "minute": 57, "second": 32}
